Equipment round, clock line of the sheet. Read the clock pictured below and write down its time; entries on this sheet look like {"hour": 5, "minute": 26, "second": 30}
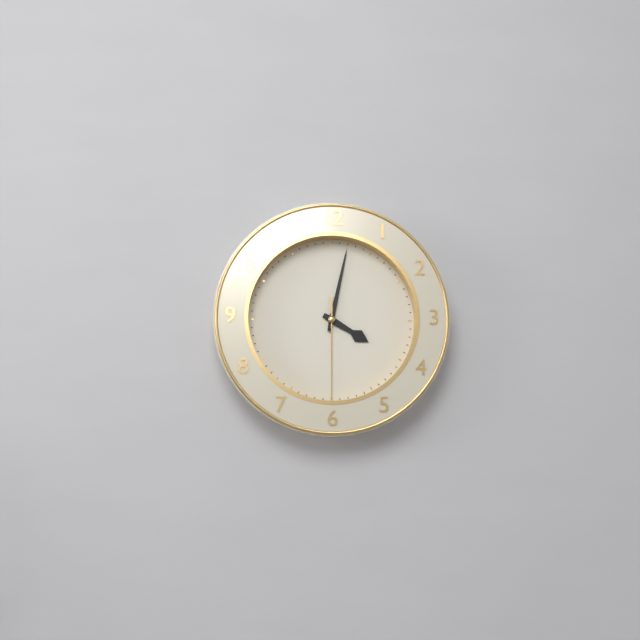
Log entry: {"hour": 4, "minute": 2, "second": 30}
